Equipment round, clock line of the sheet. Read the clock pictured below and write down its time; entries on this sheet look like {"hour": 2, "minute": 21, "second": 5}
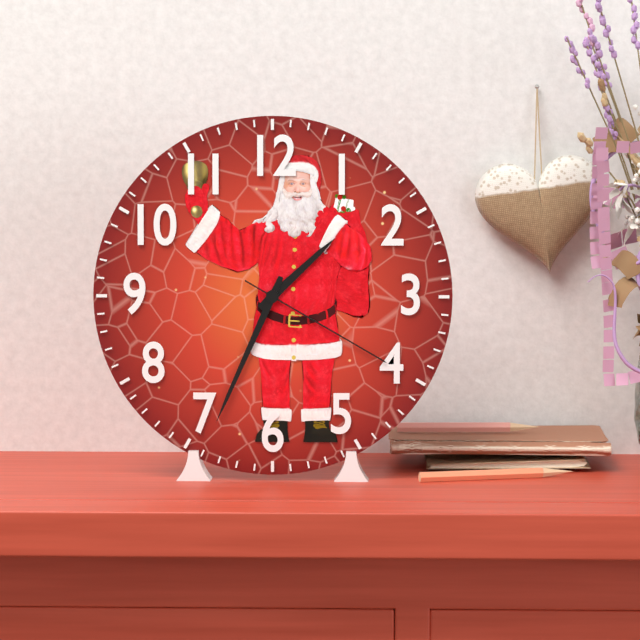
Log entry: {"hour": 1, "minute": 34, "second": 20}
